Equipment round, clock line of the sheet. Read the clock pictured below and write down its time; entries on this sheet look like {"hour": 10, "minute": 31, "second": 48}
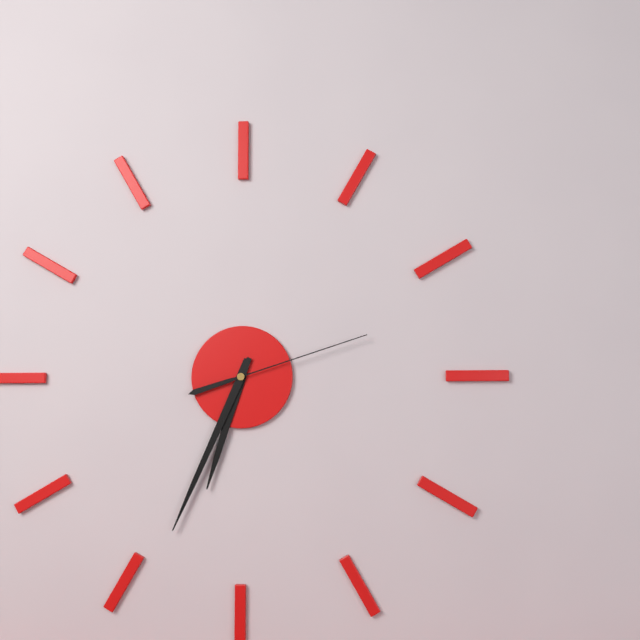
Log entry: {"hour": 6, "minute": 34, "second": 12}
